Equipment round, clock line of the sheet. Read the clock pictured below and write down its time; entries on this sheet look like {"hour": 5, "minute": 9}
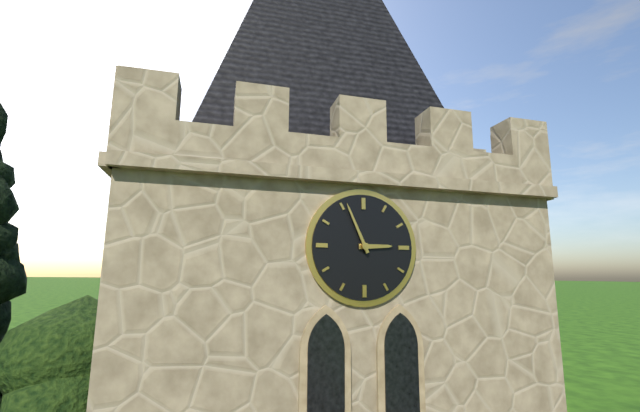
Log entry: {"hour": 2, "minute": 56}
